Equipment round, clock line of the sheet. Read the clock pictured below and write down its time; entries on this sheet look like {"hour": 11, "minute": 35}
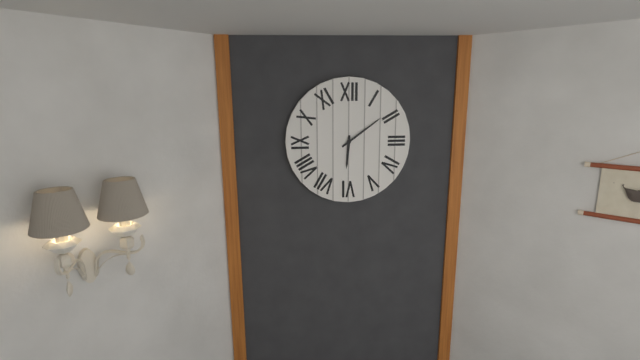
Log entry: {"hour": 6, "minute": 9}
